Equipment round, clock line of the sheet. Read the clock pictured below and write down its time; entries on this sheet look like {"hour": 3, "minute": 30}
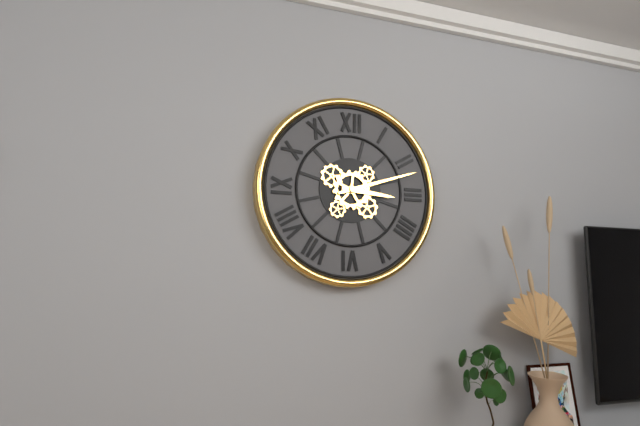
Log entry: {"hour": 3, "minute": 12}
